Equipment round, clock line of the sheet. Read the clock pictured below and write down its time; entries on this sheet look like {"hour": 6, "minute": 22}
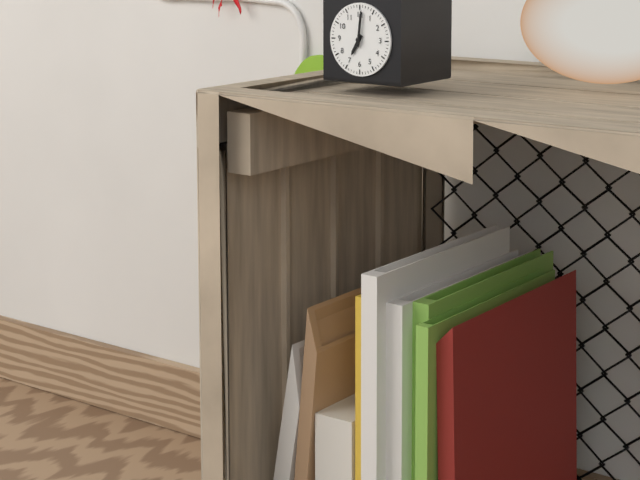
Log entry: {"hour": 7, "minute": 1}
